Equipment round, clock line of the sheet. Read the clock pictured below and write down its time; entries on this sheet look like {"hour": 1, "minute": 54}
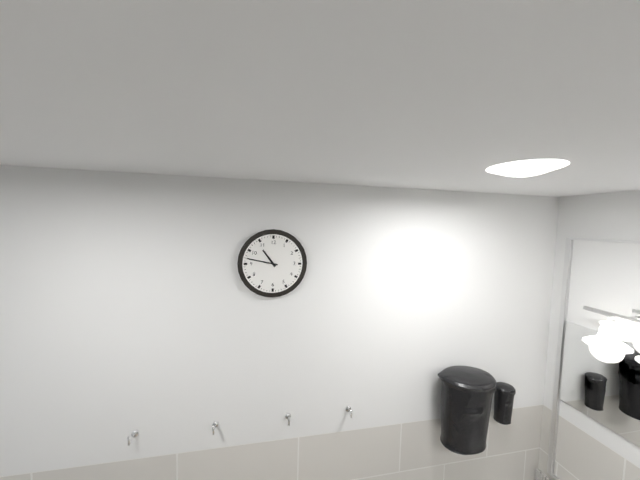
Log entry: {"hour": 10, "minute": 47}
